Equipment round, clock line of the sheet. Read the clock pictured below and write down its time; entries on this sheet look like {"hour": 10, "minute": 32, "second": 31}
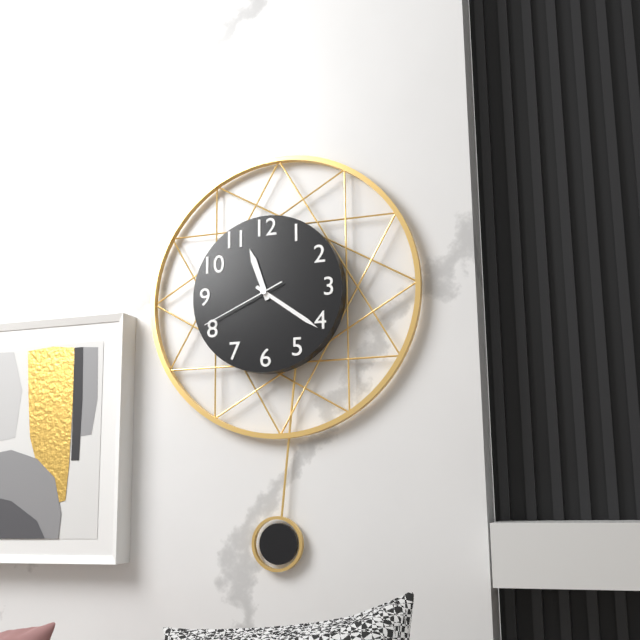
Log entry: {"hour": 11, "minute": 21, "second": 41}
